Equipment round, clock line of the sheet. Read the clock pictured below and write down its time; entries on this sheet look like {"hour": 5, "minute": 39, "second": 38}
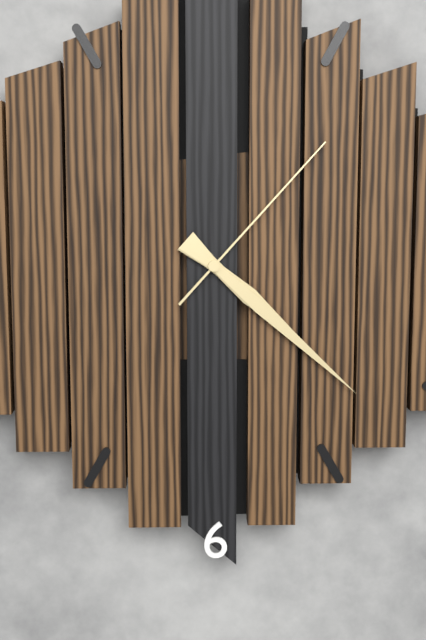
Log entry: {"hour": 4, "minute": 22, "second": 7}
